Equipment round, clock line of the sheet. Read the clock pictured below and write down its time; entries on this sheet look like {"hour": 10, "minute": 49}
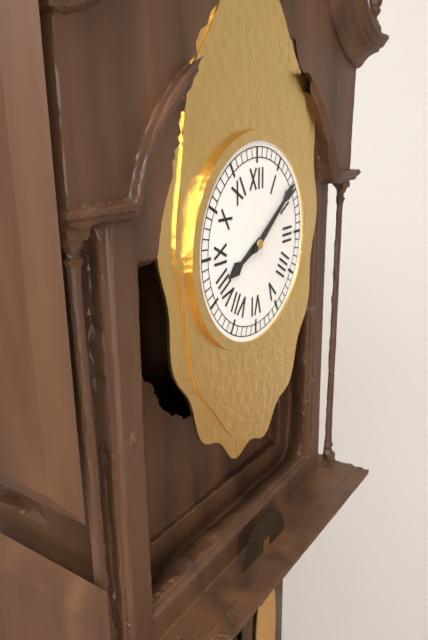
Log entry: {"hour": 8, "minute": 9}
